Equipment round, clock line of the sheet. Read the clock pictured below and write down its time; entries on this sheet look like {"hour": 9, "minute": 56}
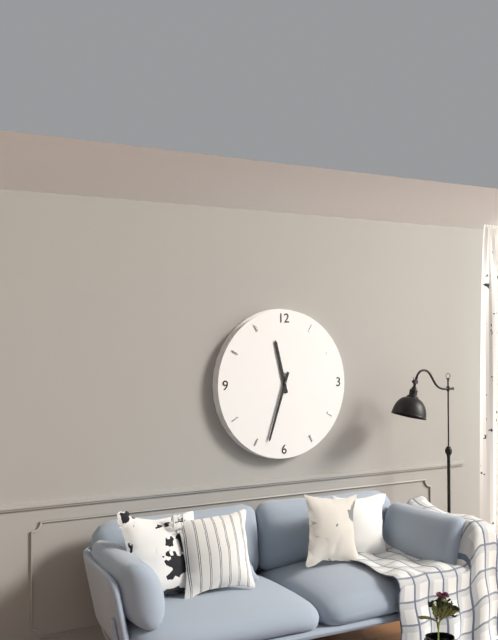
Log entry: {"hour": 11, "minute": 33}
